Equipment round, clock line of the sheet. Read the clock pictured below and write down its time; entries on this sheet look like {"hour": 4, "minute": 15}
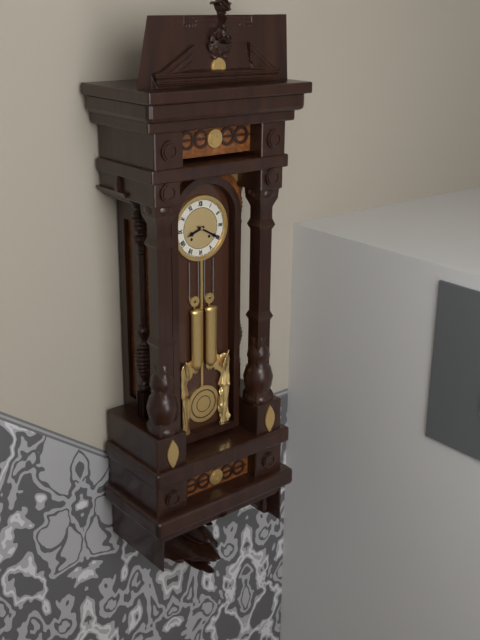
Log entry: {"hour": 8, "minute": 20}
